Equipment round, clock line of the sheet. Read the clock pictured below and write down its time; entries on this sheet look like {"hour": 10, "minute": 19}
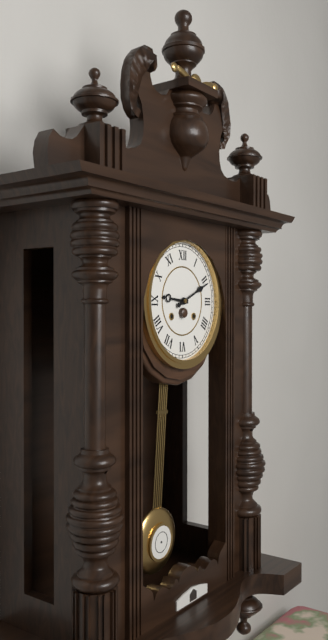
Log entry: {"hour": 9, "minute": 11}
